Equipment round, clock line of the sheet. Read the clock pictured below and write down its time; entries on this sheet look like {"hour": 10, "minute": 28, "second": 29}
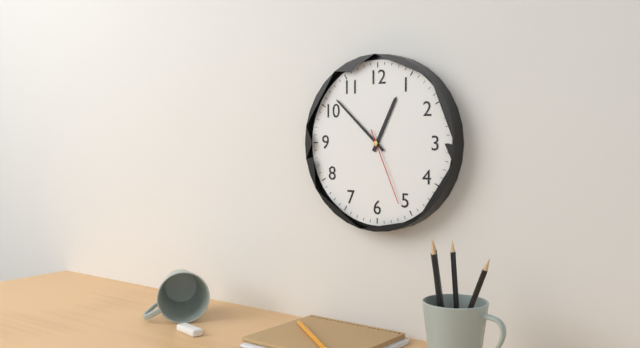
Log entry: {"hour": 12, "minute": 52, "second": 26}
